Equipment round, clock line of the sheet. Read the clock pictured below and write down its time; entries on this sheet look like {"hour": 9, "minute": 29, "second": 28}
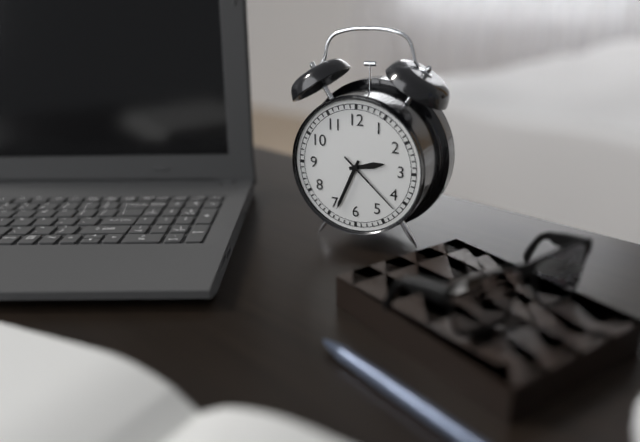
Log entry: {"hour": 2, "minute": 34, "second": 22}
